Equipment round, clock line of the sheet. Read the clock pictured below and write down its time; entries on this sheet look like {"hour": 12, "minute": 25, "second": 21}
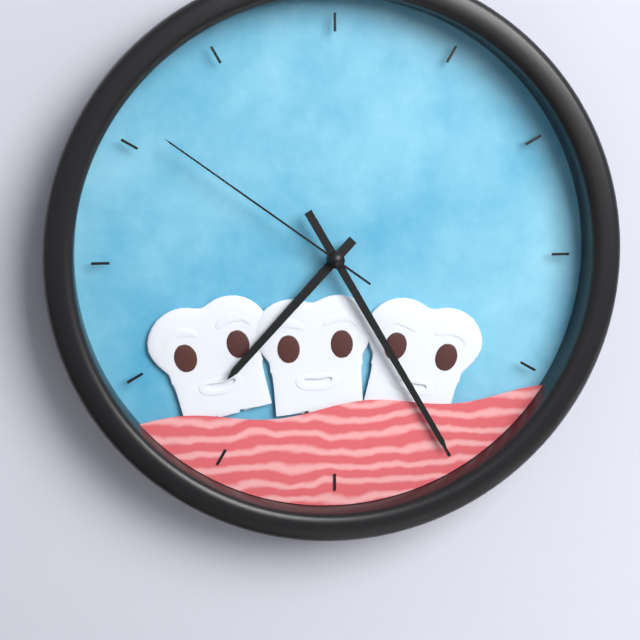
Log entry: {"hour": 7, "minute": 25, "second": 51}
